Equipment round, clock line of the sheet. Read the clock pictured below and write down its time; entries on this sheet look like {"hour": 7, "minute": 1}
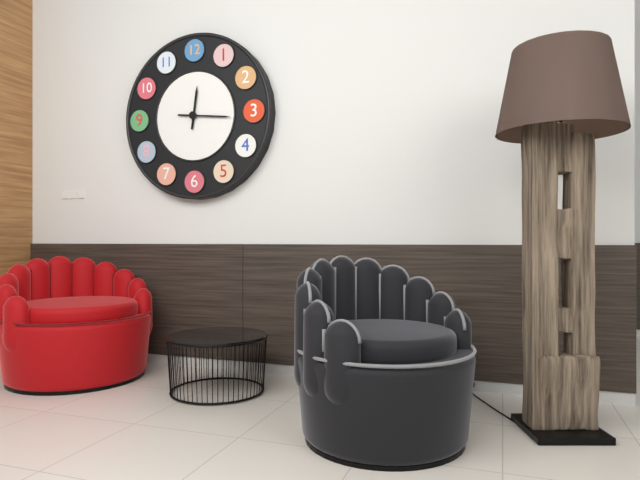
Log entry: {"hour": 12, "minute": 16}
